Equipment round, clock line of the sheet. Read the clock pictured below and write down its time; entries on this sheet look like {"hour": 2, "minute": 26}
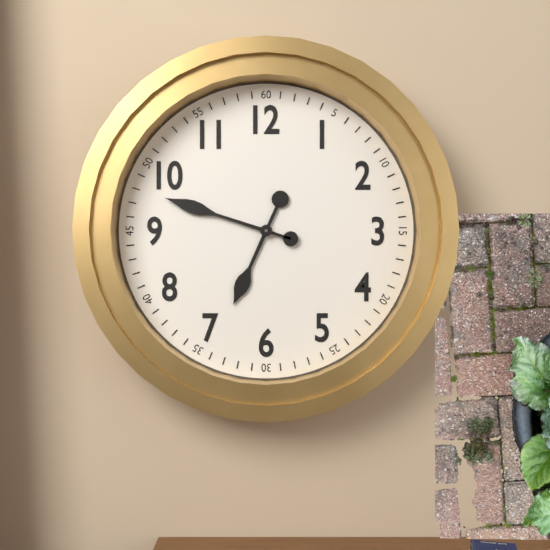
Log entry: {"hour": 6, "minute": 48}
